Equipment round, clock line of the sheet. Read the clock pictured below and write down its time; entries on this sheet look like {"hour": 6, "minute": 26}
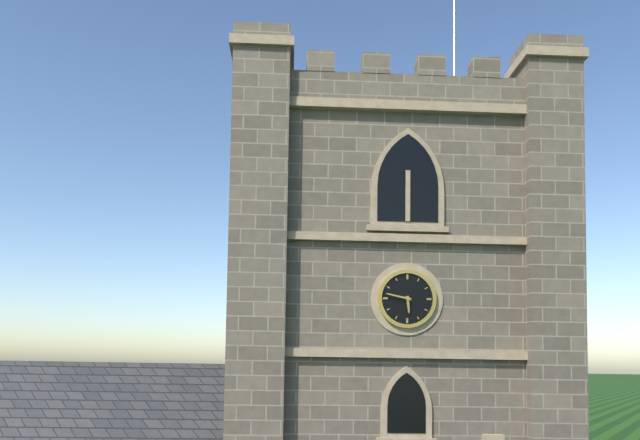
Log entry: {"hour": 5, "minute": 47}
